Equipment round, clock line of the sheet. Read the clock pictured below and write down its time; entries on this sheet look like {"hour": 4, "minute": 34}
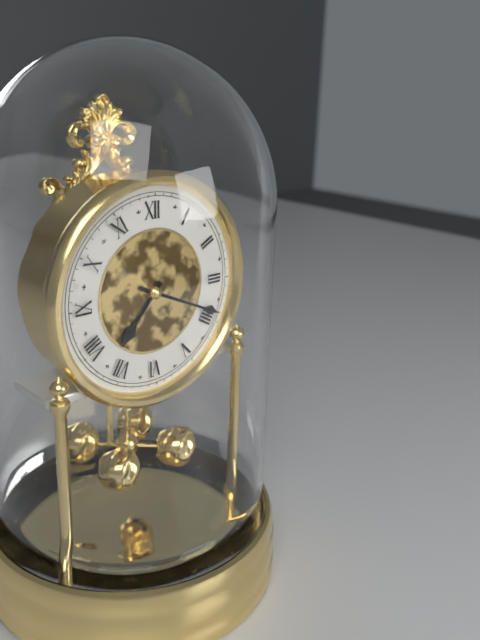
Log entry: {"hour": 7, "minute": 19}
